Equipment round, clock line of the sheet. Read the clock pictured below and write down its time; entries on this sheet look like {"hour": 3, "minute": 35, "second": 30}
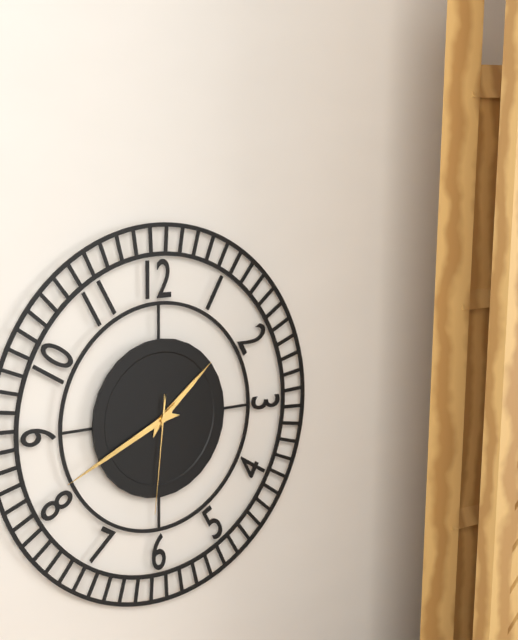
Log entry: {"hour": 1, "minute": 41, "second": 31}
